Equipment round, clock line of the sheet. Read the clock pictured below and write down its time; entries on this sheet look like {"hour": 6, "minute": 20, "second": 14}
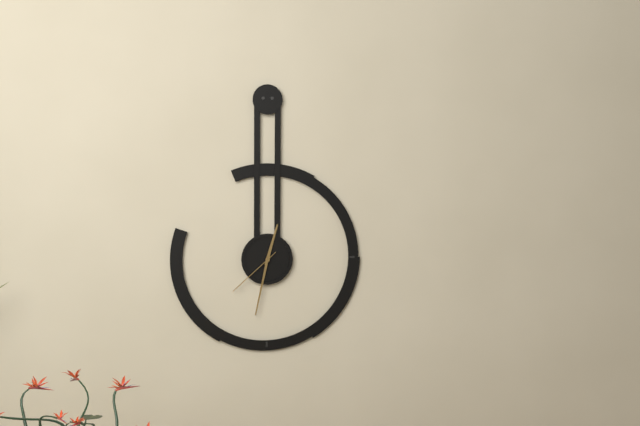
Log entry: {"hour": 12, "minute": 32, "second": 38}
